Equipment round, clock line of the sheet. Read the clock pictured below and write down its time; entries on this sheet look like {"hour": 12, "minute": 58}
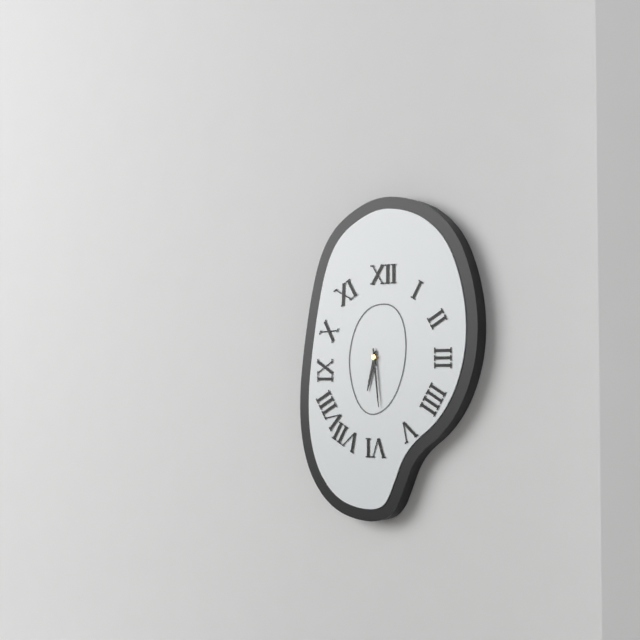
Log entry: {"hour": 6, "minute": 29}
